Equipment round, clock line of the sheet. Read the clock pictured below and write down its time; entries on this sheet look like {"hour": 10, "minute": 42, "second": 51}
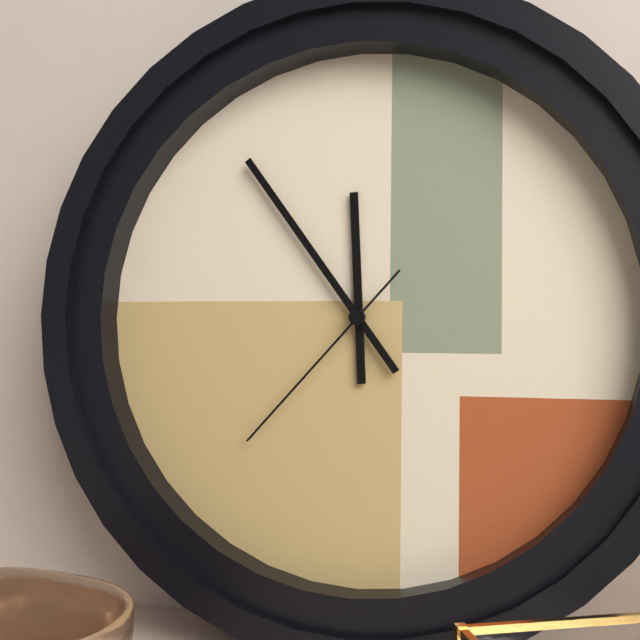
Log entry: {"hour": 11, "minute": 54, "second": 37}
